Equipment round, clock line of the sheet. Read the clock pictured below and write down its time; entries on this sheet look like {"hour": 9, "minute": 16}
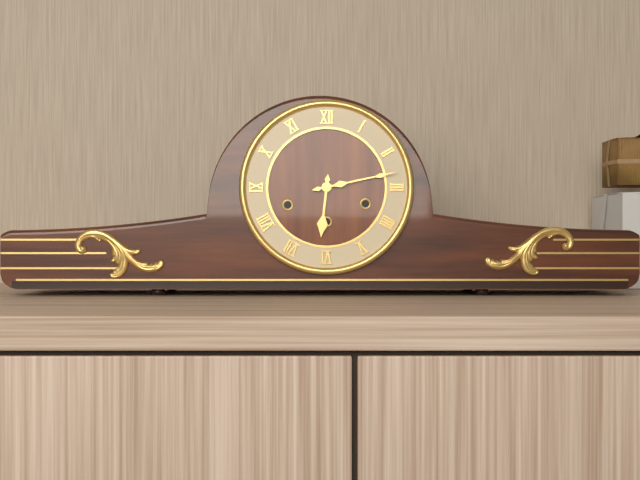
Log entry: {"hour": 6, "minute": 13}
